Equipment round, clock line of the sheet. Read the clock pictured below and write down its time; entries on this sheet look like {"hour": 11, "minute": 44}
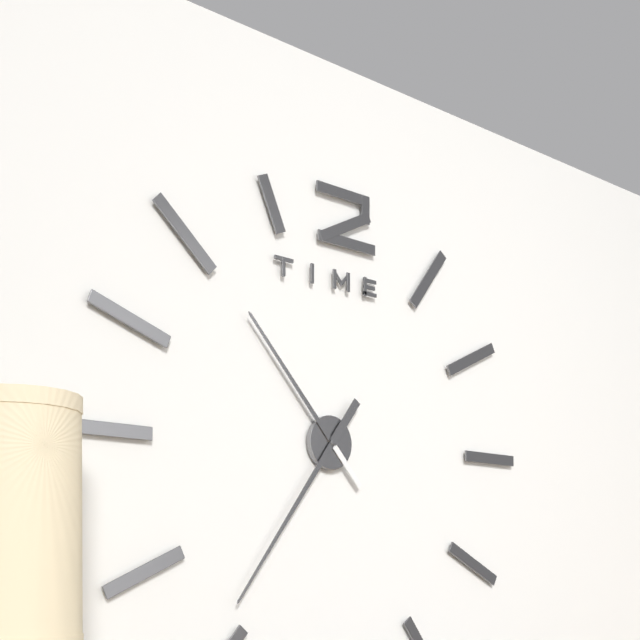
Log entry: {"hour": 10, "minute": 36}
